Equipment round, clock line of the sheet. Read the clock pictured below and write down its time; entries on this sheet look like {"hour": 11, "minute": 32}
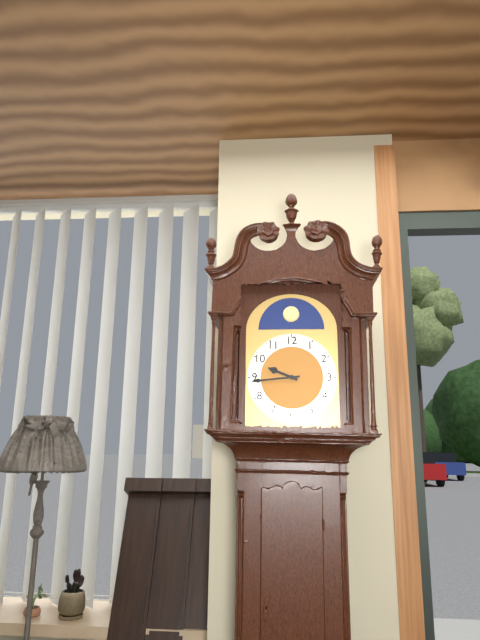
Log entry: {"hour": 9, "minute": 44}
